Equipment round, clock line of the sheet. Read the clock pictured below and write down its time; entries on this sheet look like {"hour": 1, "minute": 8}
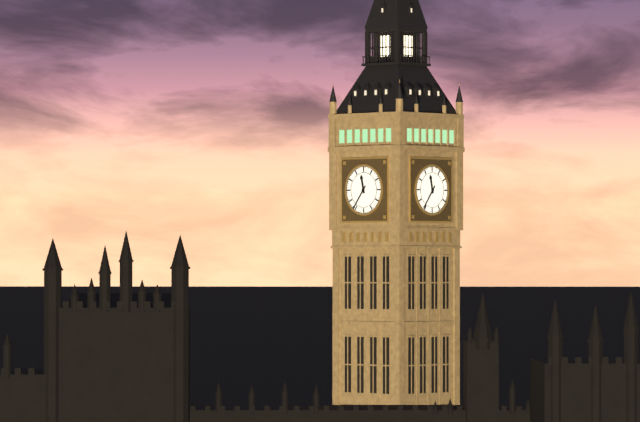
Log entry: {"hour": 11, "minute": 36}
